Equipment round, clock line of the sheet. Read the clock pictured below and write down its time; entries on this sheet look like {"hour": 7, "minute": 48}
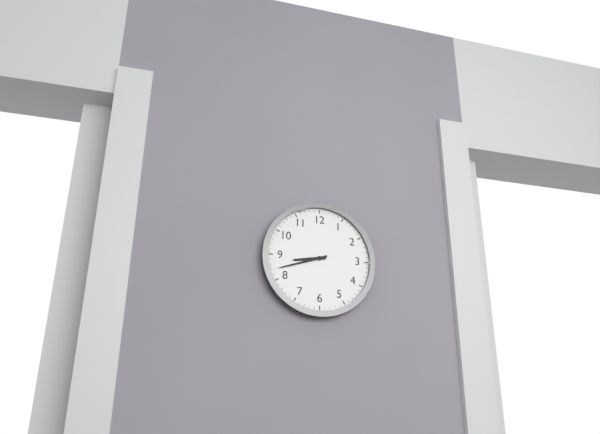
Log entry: {"hour": 8, "minute": 42}
